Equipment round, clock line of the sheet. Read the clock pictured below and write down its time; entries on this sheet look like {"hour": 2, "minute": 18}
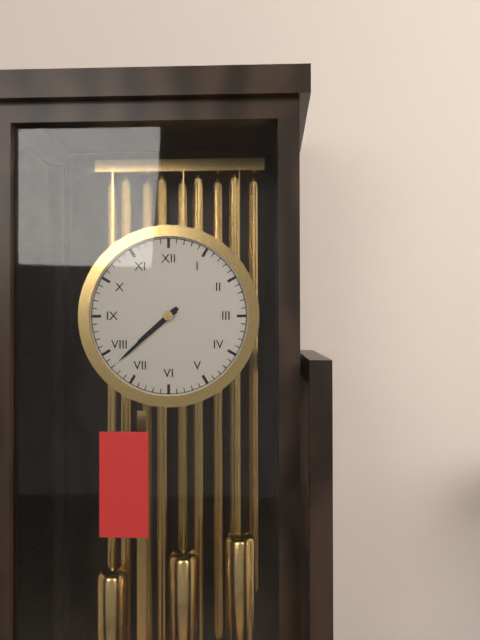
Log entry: {"hour": 7, "minute": 38}
